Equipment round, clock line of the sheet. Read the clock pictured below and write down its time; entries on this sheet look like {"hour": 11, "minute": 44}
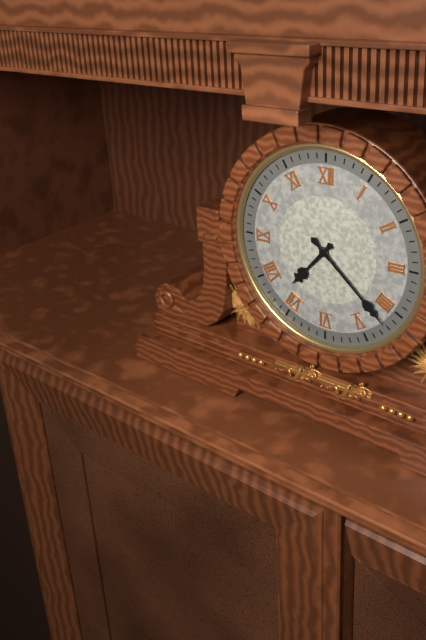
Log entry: {"hour": 7, "minute": 22}
